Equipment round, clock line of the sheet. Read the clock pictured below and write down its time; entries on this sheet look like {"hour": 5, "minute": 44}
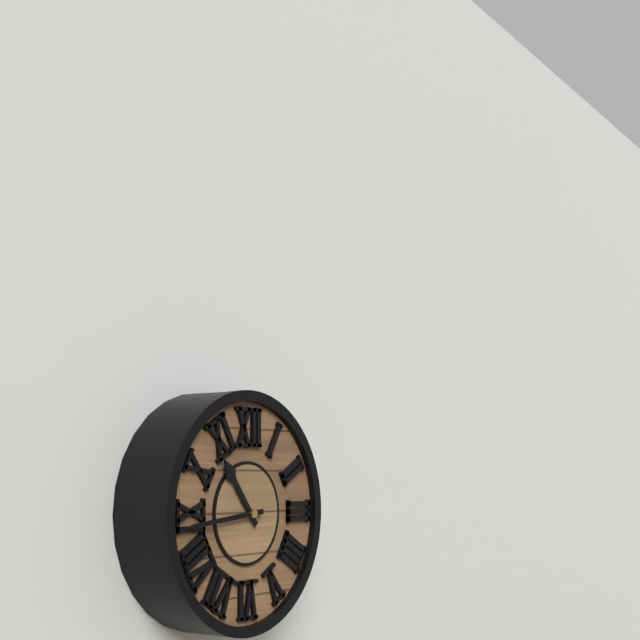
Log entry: {"hour": 10, "minute": 44}
